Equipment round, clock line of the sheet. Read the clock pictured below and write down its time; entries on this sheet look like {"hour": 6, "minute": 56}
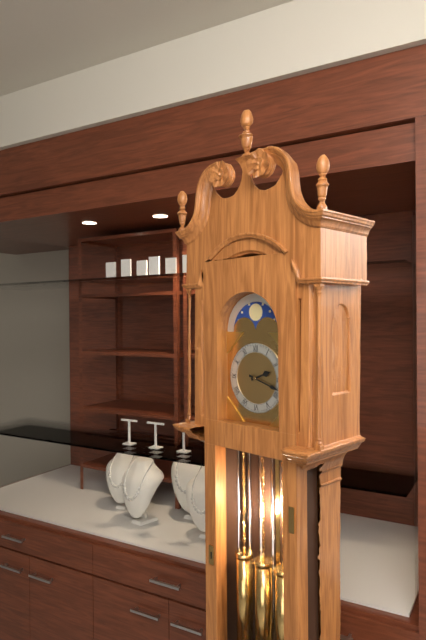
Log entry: {"hour": 2, "minute": 18}
